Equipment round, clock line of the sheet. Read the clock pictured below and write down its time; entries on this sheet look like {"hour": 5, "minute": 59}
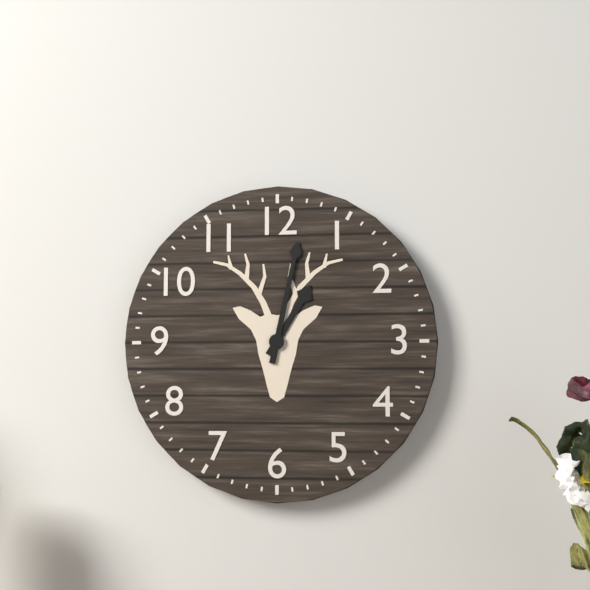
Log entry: {"hour": 1, "minute": 2}
